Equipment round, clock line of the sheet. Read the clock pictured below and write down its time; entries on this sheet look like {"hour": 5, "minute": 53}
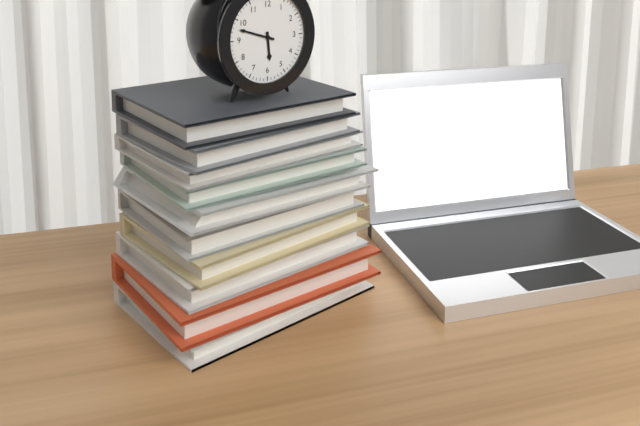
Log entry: {"hour": 5, "minute": 48}
